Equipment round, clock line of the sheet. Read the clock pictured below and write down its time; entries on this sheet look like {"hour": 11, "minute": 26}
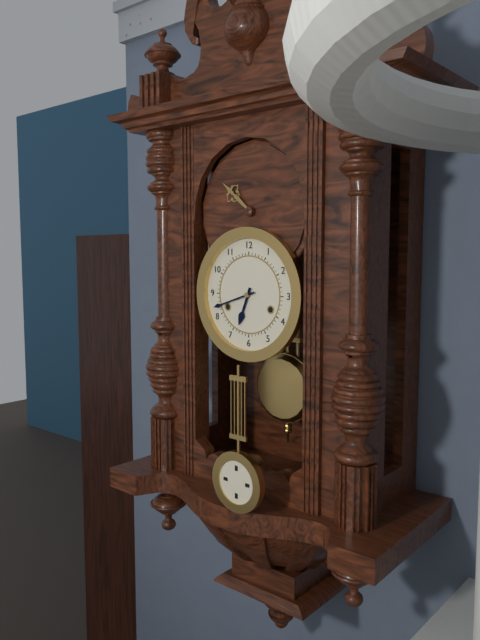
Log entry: {"hour": 6, "minute": 42}
